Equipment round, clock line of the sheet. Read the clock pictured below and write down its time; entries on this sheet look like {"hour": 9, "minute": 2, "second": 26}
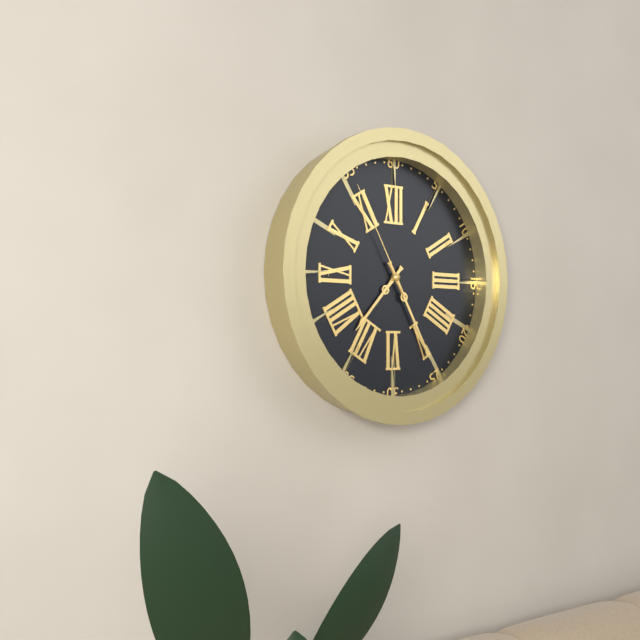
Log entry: {"hour": 7, "minute": 25, "second": 55}
